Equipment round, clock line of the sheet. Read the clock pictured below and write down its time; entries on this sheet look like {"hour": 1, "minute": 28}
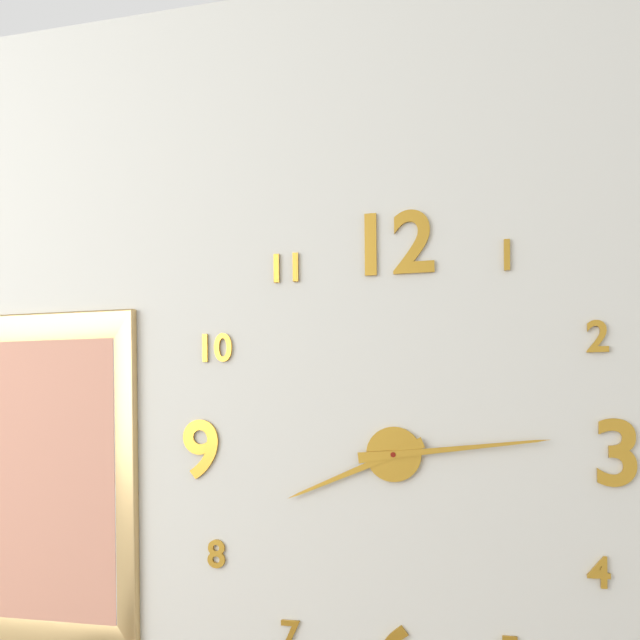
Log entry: {"hour": 8, "minute": 14}
